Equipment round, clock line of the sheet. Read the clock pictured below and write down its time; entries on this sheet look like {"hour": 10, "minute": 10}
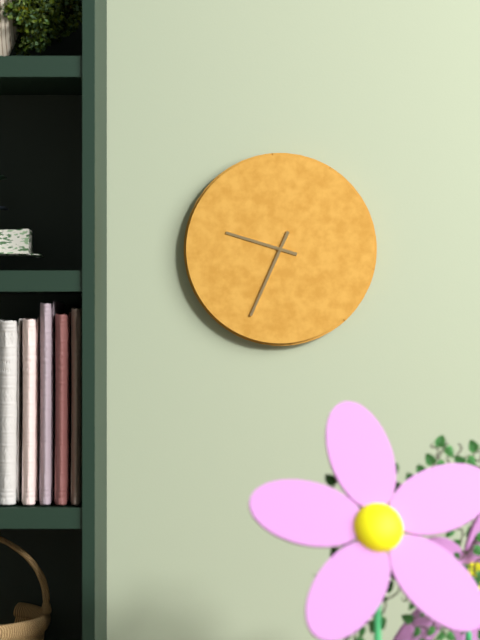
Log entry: {"hour": 9, "minute": 34}
